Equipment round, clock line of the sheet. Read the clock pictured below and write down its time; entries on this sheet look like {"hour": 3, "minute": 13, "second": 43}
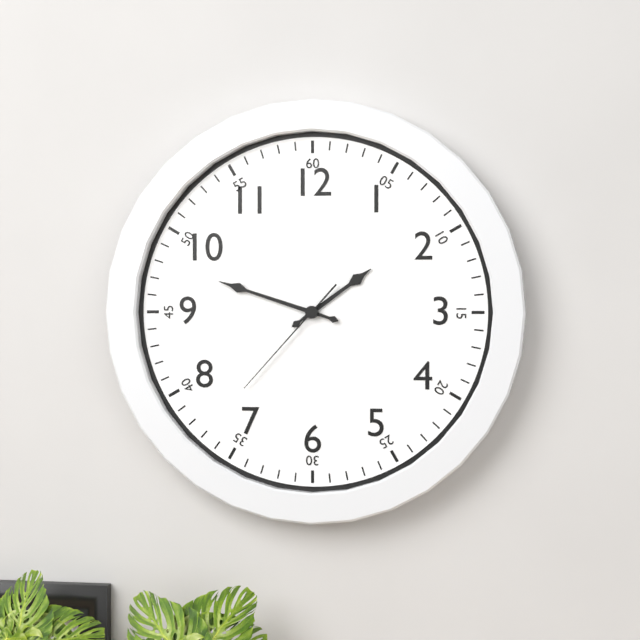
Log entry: {"hour": 1, "minute": 48, "second": 37}
